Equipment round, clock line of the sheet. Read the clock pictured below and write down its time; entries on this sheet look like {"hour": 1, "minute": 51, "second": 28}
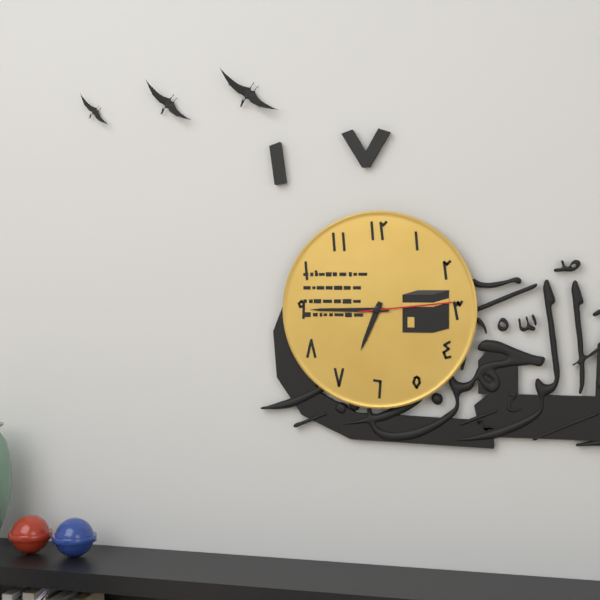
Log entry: {"hour": 6, "minute": 45, "second": 14}
